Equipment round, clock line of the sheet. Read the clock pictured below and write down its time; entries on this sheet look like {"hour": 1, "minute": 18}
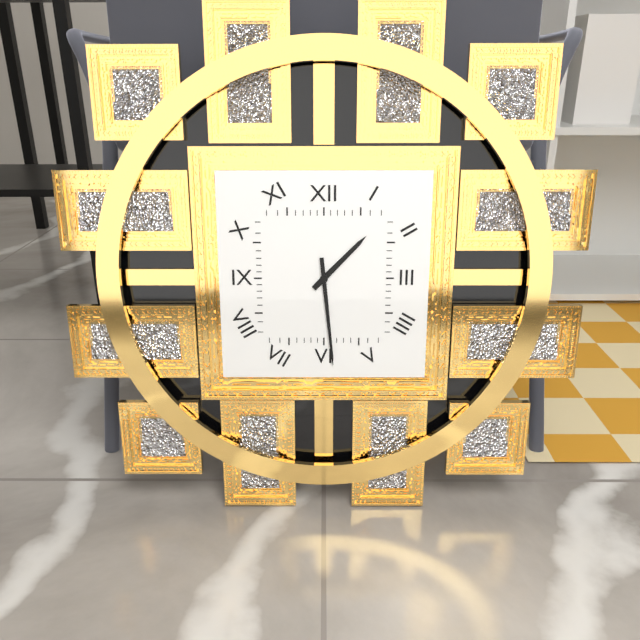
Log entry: {"hour": 1, "minute": 29}
